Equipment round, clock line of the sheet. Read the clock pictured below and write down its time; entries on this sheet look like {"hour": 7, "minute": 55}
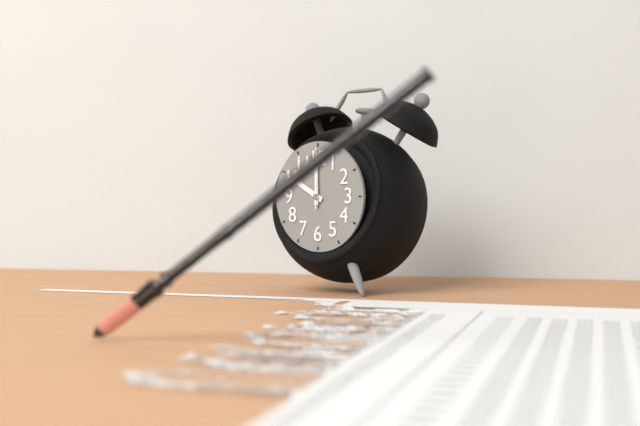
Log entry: {"hour": 10, "minute": 0}
